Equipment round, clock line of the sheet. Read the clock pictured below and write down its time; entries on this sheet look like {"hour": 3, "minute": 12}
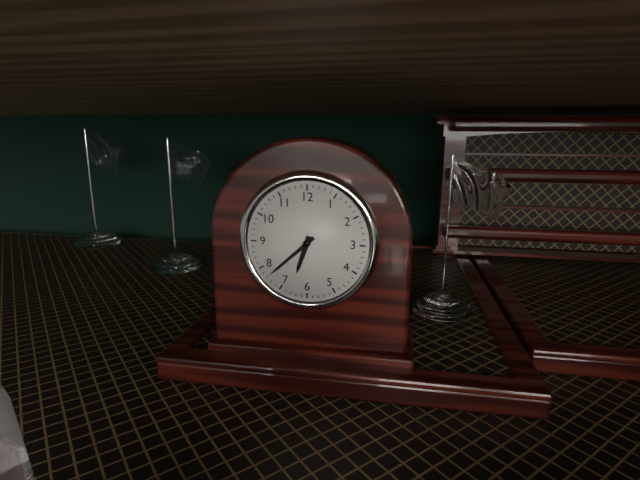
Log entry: {"hour": 6, "minute": 38}
